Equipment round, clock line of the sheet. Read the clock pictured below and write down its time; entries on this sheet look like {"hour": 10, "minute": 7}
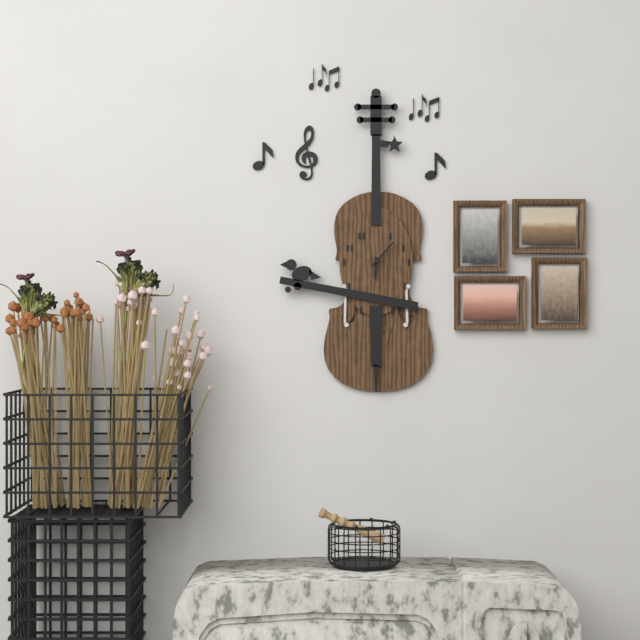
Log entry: {"hour": 6, "minute": 7}
